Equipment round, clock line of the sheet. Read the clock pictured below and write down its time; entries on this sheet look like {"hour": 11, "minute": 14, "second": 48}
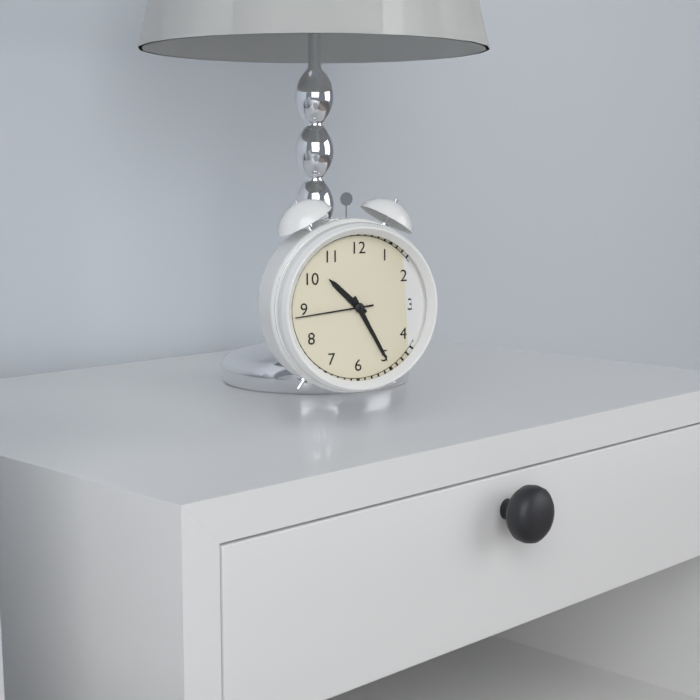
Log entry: {"hour": 10, "minute": 25, "second": 44}
